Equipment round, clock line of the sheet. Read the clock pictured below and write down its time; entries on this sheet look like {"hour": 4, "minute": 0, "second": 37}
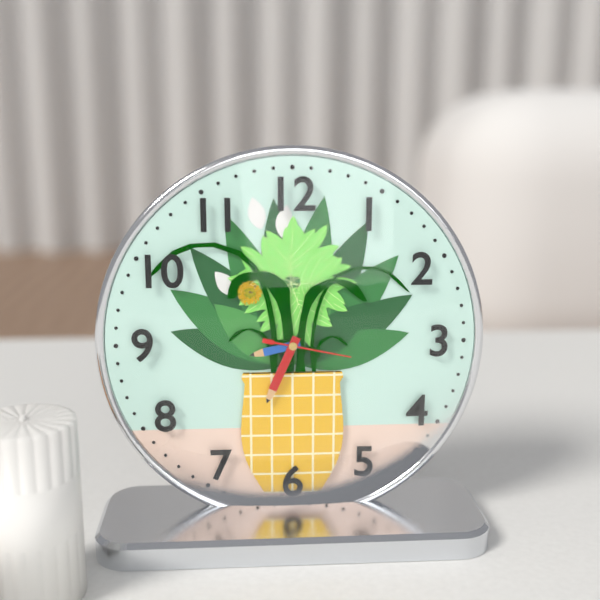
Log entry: {"hour": 8, "minute": 34, "second": 17}
